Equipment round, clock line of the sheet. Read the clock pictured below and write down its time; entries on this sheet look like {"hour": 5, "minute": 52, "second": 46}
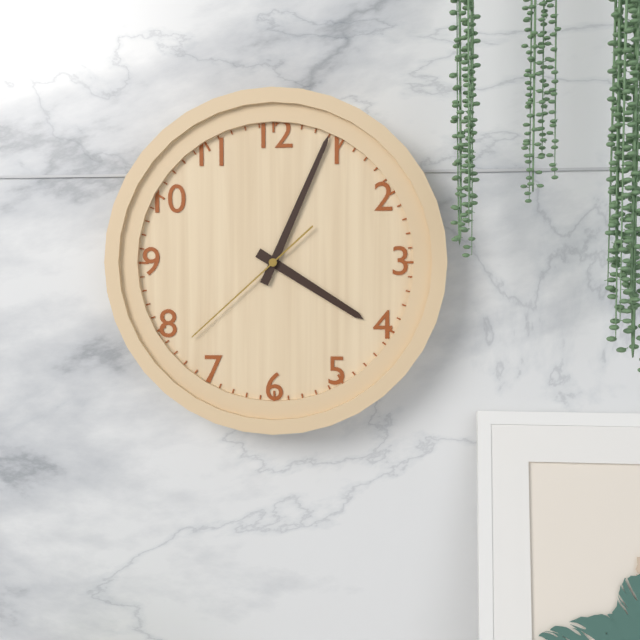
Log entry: {"hour": 4, "minute": 4, "second": 38}
